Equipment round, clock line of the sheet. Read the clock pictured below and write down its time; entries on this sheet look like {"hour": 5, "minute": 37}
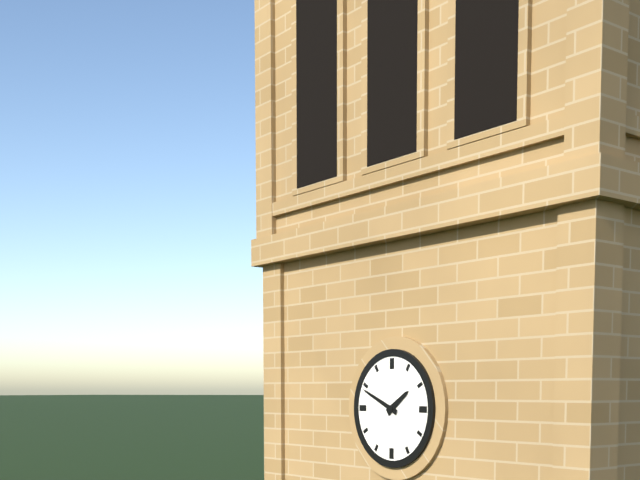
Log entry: {"hour": 1, "minute": 49}
